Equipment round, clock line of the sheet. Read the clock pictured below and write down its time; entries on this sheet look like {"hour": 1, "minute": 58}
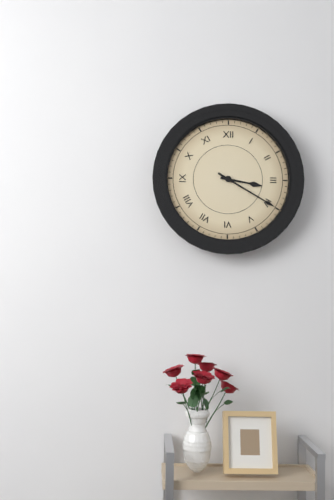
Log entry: {"hour": 3, "minute": 20}
